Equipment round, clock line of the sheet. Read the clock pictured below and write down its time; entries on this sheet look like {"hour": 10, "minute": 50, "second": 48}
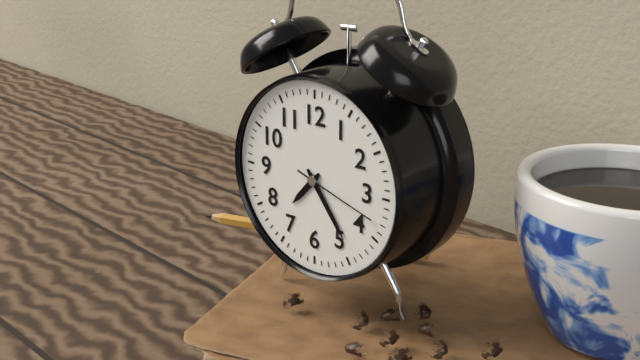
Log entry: {"hour": 7, "minute": 24, "second": 18}
